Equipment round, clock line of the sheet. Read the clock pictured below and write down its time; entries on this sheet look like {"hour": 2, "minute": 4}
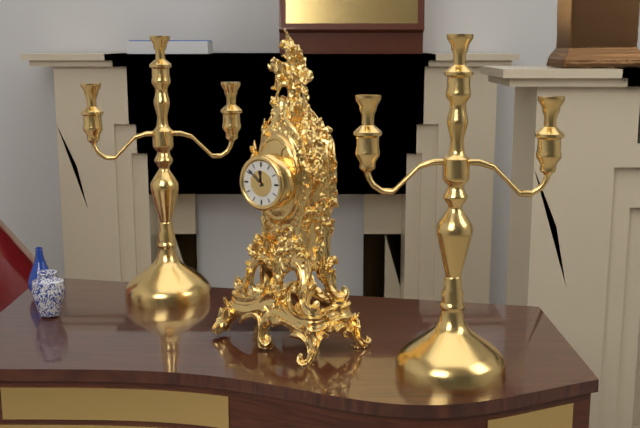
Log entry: {"hour": 11, "minute": 52}
